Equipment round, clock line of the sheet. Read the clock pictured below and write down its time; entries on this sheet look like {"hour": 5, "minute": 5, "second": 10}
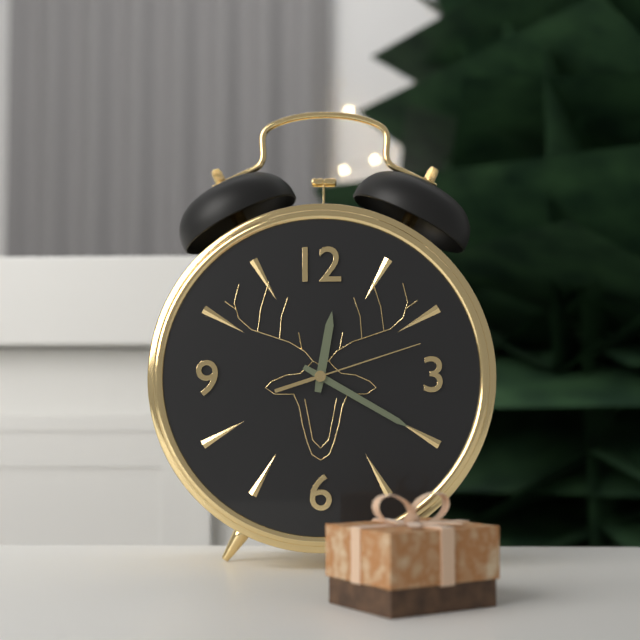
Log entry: {"hour": 12, "minute": 20, "second": 12}
